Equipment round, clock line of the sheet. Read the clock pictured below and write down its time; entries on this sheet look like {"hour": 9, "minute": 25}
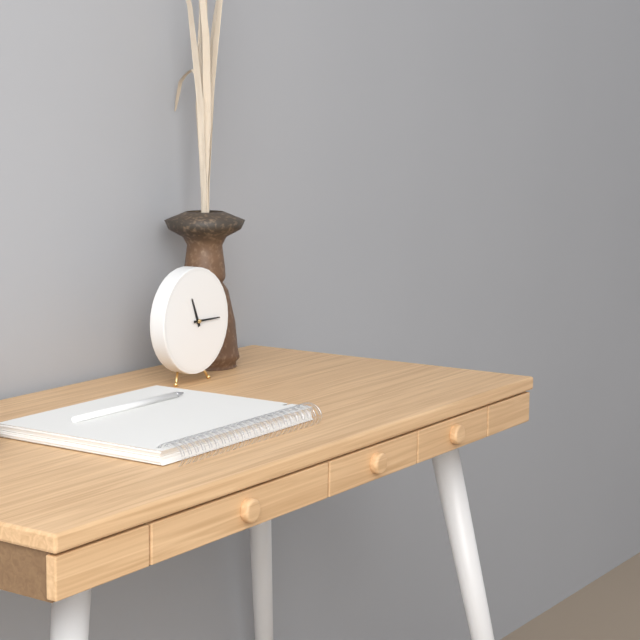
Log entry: {"hour": 11, "minute": 15}
